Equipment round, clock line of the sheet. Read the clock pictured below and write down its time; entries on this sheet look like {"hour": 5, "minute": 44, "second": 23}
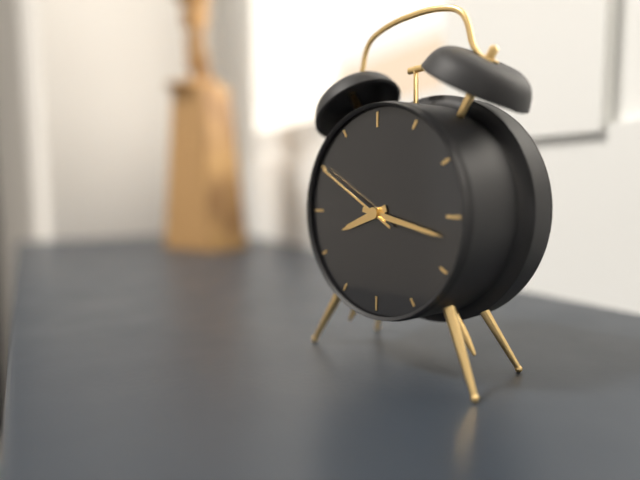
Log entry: {"hour": 8, "minute": 17, "second": 50}
